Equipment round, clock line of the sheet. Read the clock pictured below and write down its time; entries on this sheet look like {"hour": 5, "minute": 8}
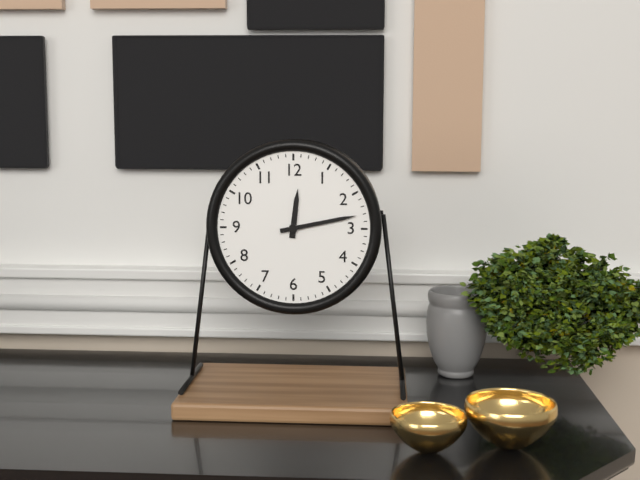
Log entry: {"hour": 12, "minute": 13}
